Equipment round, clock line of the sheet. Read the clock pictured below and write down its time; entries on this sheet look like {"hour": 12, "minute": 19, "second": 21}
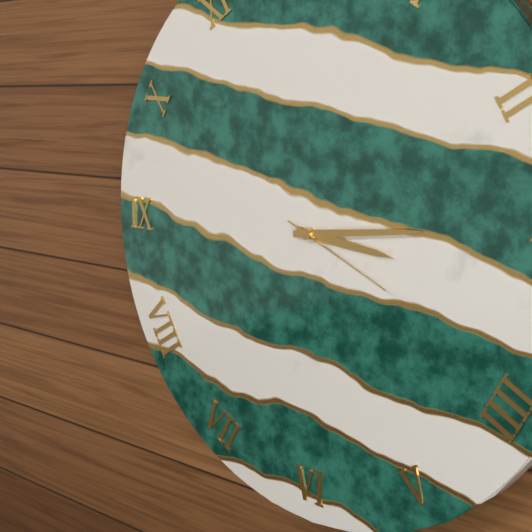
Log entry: {"hour": 3, "minute": 14, "second": 19}
